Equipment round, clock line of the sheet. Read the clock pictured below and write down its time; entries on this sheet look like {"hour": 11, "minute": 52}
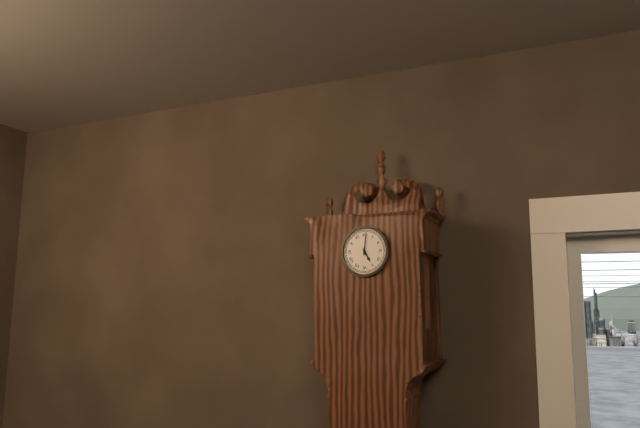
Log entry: {"hour": 5, "minute": 1}
